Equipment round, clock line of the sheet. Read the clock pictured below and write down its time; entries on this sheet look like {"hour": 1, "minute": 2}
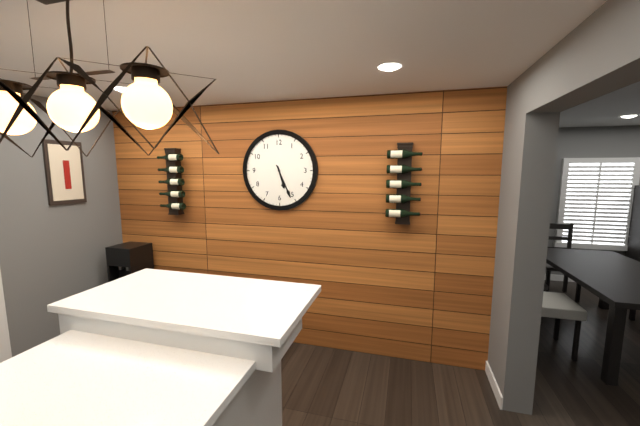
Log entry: {"hour": 5, "minute": 26}
